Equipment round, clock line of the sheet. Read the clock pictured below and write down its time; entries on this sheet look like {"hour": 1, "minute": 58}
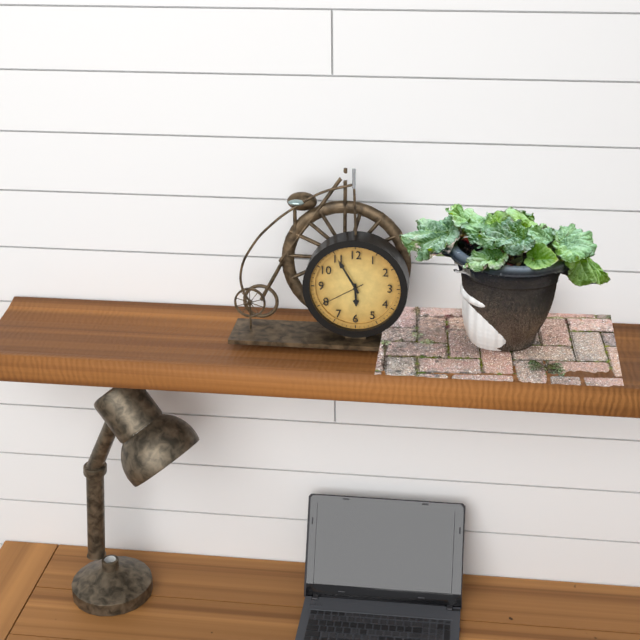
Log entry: {"hour": 5, "minute": 55}
